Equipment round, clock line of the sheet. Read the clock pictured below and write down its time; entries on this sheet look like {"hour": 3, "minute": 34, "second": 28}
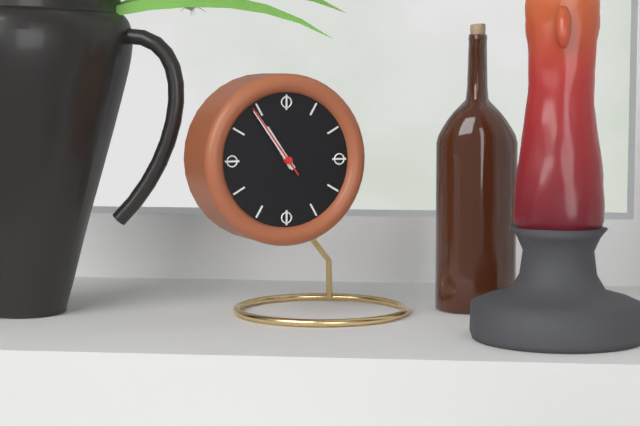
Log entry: {"hour": 10, "minute": 54, "second": 54}
